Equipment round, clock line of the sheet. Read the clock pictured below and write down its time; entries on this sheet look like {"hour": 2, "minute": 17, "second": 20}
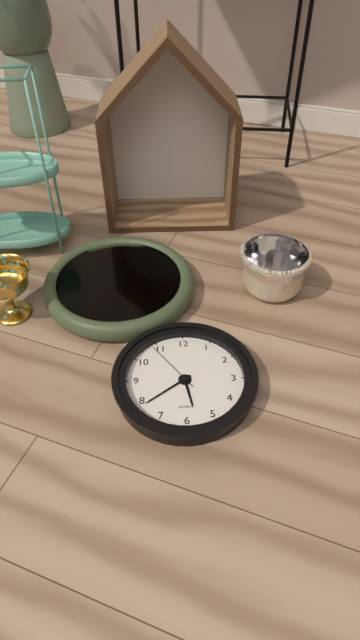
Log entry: {"hour": 5, "minute": 39, "second": 54}
